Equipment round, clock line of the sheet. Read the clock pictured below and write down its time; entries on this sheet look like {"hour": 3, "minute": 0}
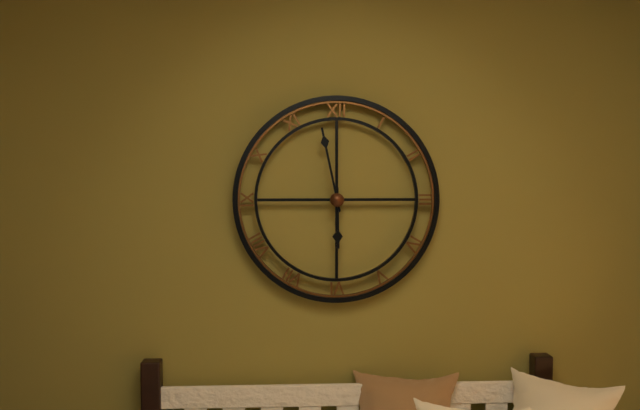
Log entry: {"hour": 5, "minute": 58}
